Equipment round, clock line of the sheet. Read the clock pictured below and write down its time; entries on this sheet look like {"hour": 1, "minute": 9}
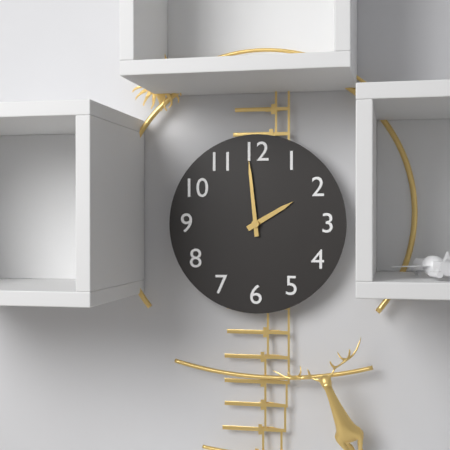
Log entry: {"hour": 1, "minute": 59}
